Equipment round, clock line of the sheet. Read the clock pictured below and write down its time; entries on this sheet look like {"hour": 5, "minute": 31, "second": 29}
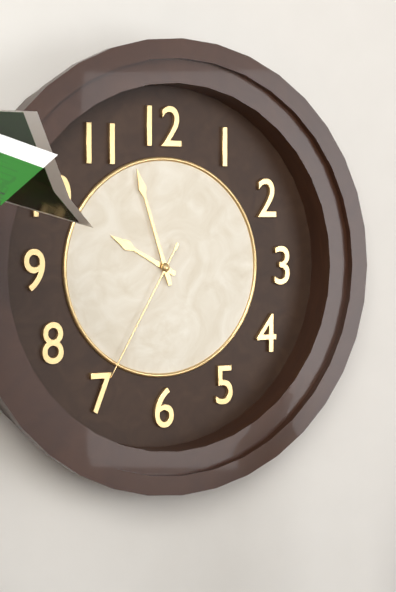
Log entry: {"hour": 9, "minute": 57, "second": 35}
